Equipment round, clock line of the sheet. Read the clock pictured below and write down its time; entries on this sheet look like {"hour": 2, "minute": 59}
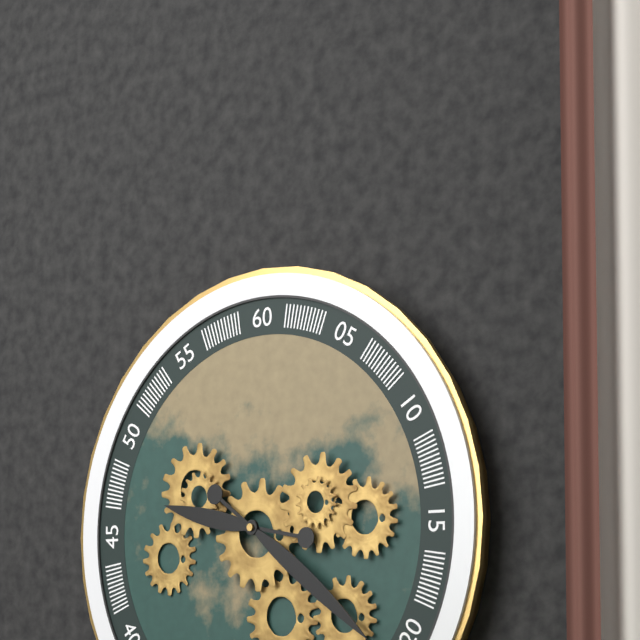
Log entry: {"hour": 9, "minute": 21}
